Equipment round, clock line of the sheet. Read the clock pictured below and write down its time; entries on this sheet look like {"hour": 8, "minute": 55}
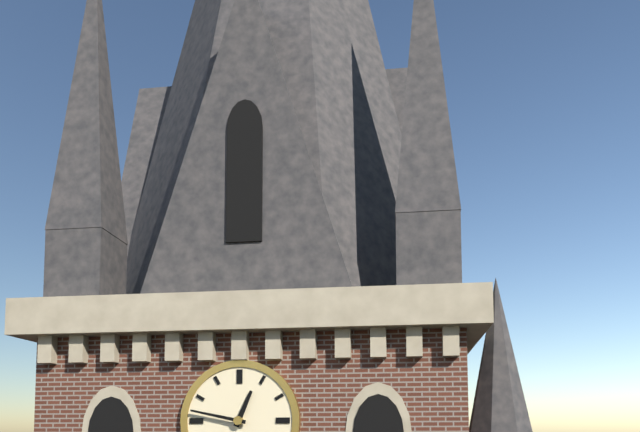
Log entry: {"hour": 12, "minute": 47}
